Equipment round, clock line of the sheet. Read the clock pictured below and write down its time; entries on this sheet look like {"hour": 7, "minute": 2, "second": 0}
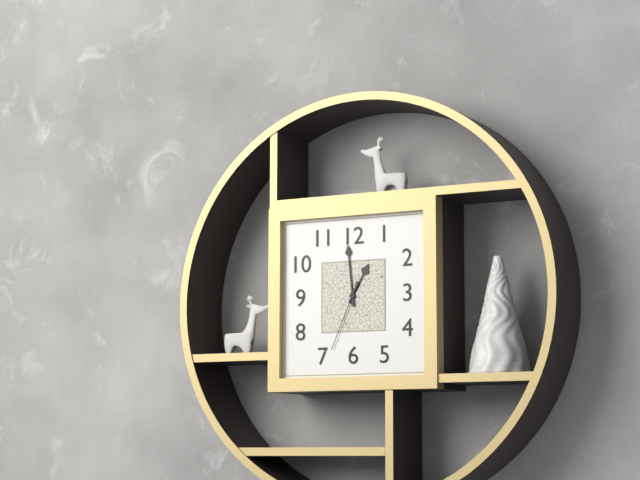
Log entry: {"hour": 12, "minute": 59, "second": 34}
